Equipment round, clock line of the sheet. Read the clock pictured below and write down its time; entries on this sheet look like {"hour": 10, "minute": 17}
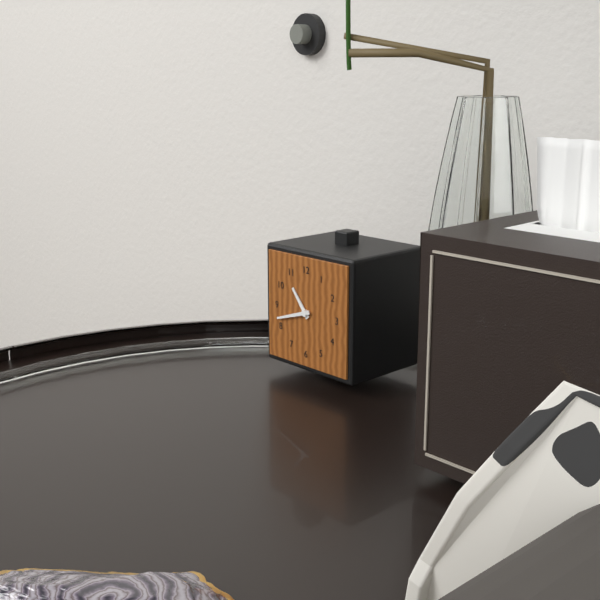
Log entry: {"hour": 10, "minute": 42}
